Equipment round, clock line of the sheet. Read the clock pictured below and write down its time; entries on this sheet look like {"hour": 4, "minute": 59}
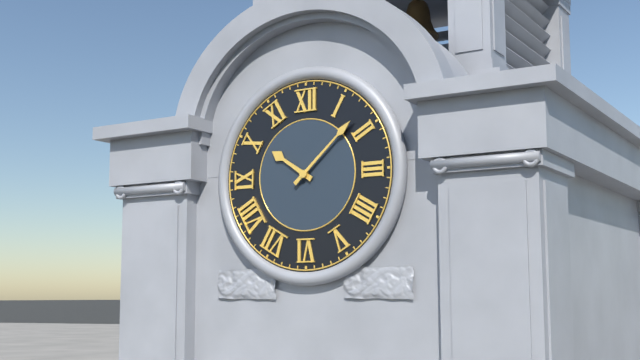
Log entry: {"hour": 10, "minute": 8}
